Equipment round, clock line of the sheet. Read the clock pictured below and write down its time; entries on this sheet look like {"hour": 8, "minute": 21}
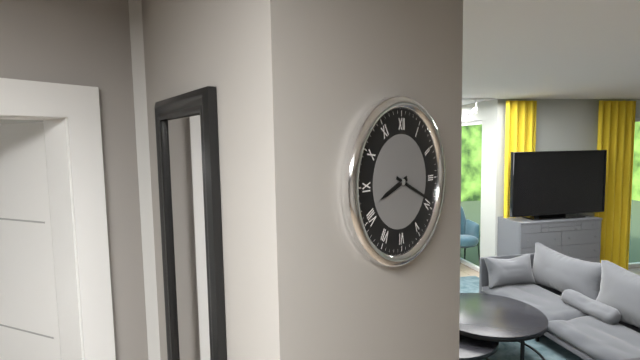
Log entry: {"hour": 8, "minute": 19}
